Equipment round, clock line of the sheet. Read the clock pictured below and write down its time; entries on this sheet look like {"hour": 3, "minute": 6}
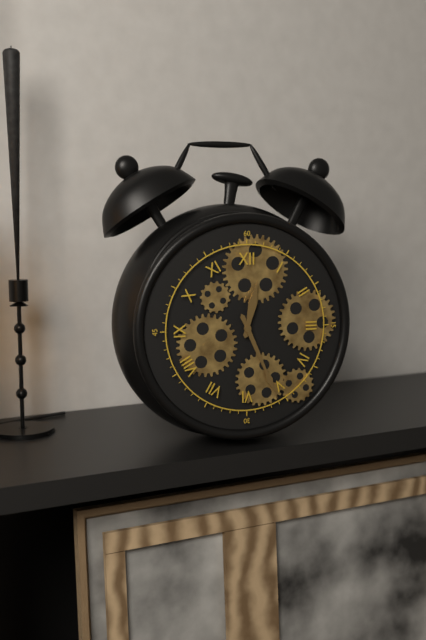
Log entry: {"hour": 12, "minute": 26}
